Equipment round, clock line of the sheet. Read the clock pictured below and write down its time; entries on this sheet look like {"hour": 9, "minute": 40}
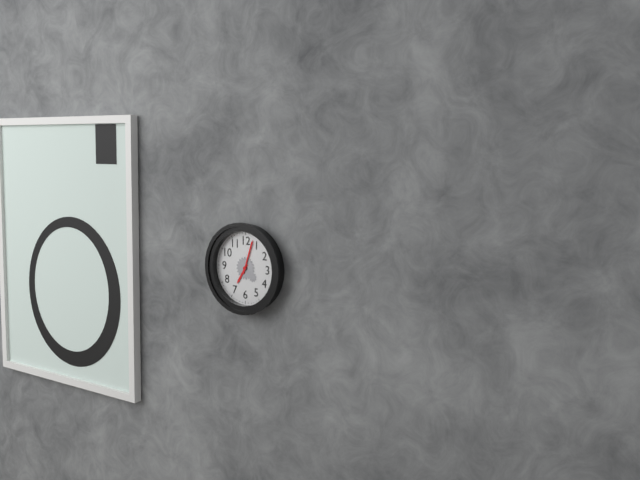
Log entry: {"hour": 7, "minute": 3}
